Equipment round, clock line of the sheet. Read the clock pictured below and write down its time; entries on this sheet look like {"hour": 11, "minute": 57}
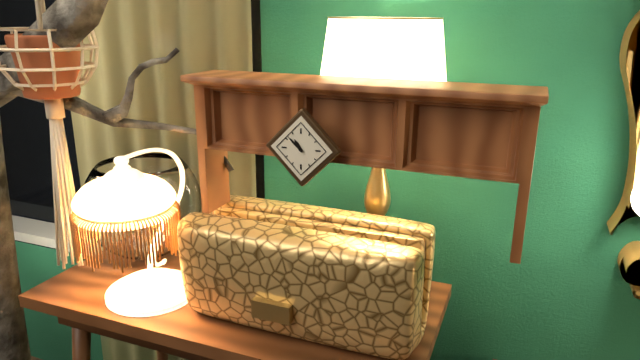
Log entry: {"hour": 10, "minute": 52}
